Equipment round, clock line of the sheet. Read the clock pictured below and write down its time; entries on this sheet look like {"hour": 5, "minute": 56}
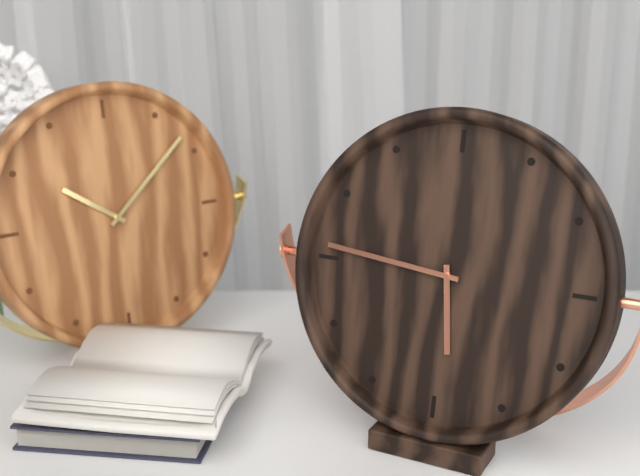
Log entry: {"hour": 5, "minute": 46}
